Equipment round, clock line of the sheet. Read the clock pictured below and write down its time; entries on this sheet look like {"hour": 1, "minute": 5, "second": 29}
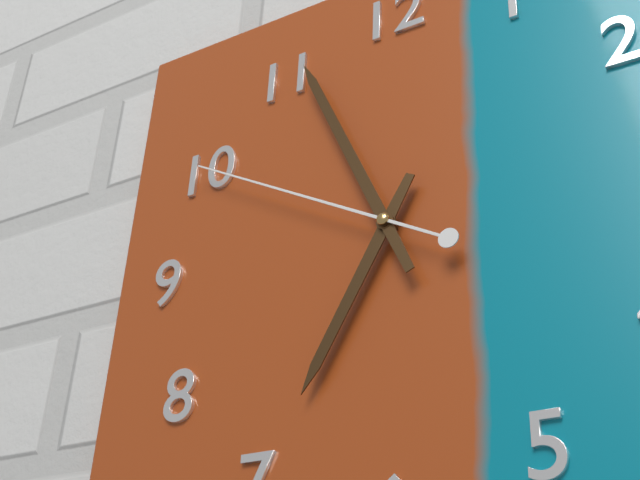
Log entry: {"hour": 6, "minute": 56, "second": 50}
